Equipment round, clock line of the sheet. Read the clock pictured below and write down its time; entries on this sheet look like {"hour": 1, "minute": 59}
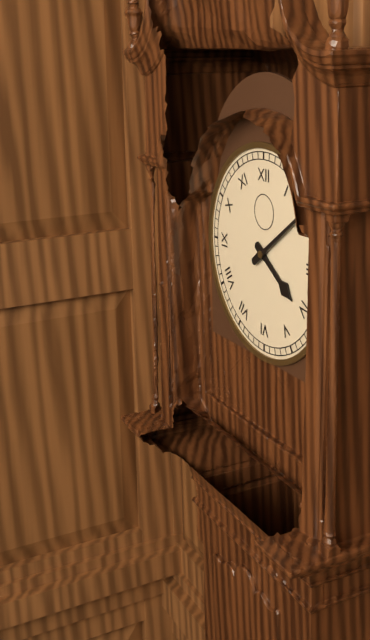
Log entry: {"hour": 4, "minute": 9}
